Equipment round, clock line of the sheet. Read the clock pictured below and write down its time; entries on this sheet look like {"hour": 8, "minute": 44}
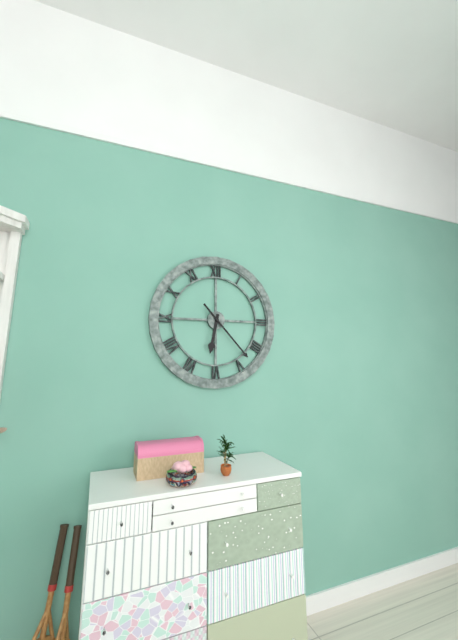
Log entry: {"hour": 6, "minute": 23}
